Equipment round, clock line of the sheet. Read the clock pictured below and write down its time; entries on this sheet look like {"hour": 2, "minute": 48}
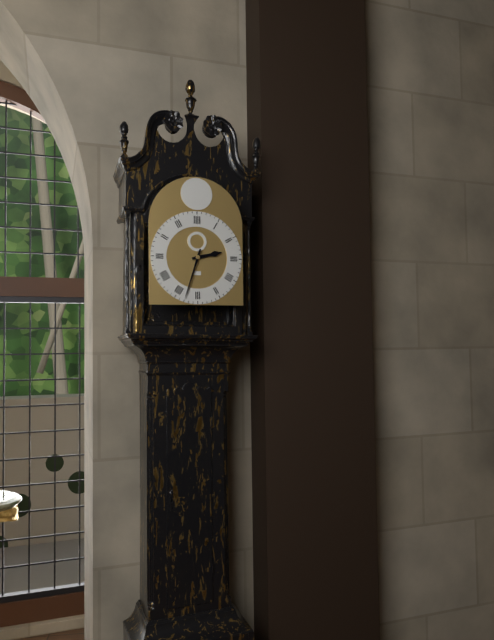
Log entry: {"hour": 2, "minute": 33}
